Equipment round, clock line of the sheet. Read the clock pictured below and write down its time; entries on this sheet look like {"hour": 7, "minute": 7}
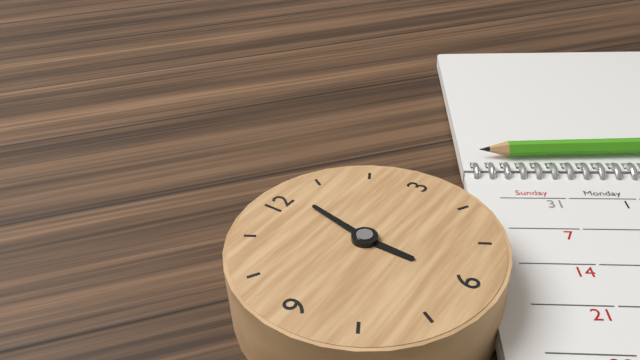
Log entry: {"hour": 6, "minute": 2}
